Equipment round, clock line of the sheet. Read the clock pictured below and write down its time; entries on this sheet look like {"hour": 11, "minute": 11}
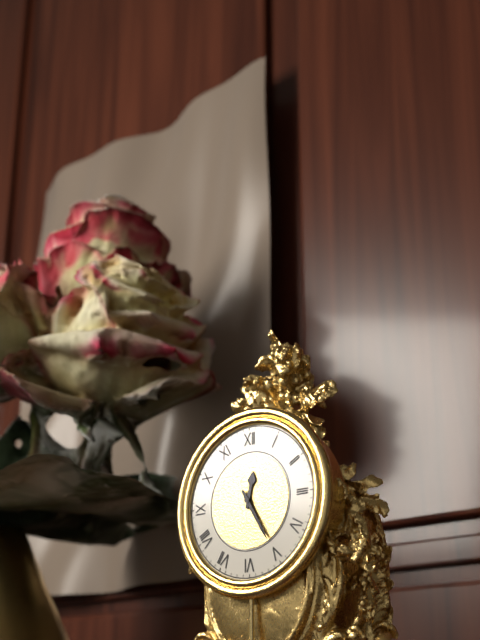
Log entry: {"hour": 12, "minute": 25}
